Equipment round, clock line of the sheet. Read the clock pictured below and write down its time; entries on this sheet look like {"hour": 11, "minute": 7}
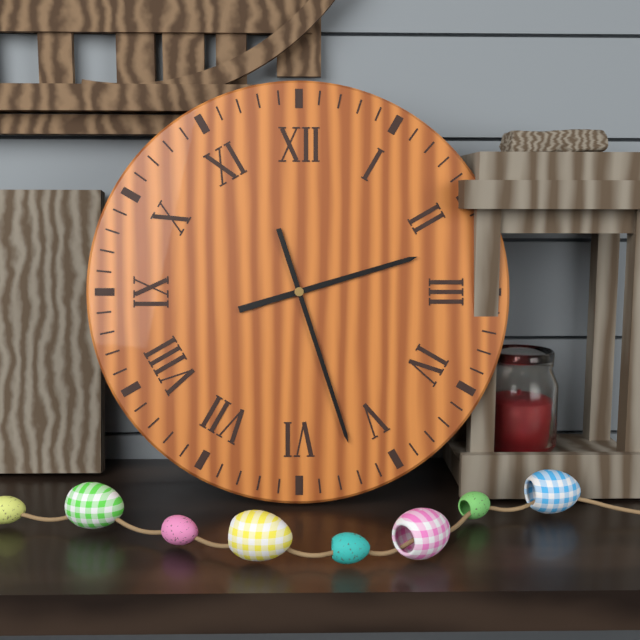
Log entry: {"hour": 2, "minute": 27}
